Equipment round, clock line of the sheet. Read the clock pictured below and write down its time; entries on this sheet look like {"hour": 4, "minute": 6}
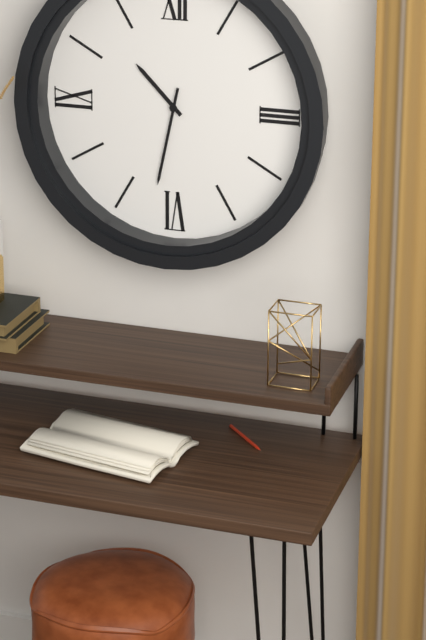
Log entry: {"hour": 10, "minute": 32}
